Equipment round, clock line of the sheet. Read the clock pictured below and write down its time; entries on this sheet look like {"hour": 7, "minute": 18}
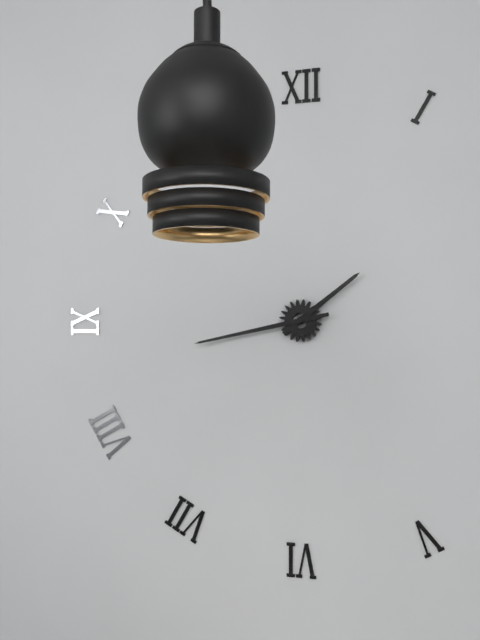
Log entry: {"hour": 1, "minute": 43}
